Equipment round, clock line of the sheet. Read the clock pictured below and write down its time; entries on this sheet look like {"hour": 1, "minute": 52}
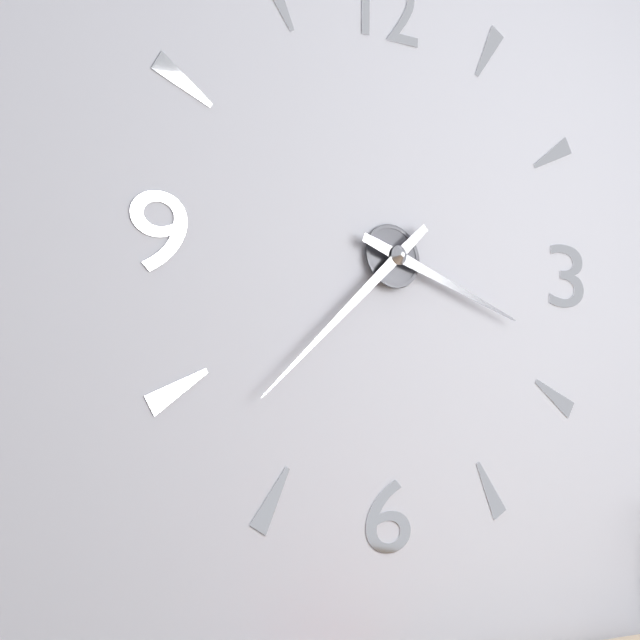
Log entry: {"hour": 3, "minute": 38}
